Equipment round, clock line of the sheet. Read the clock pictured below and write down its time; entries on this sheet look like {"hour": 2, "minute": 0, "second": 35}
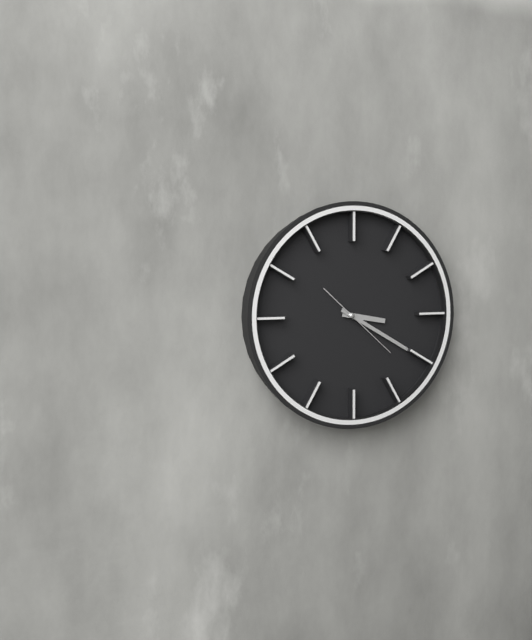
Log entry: {"hour": 3, "minute": 20, "second": 22}
